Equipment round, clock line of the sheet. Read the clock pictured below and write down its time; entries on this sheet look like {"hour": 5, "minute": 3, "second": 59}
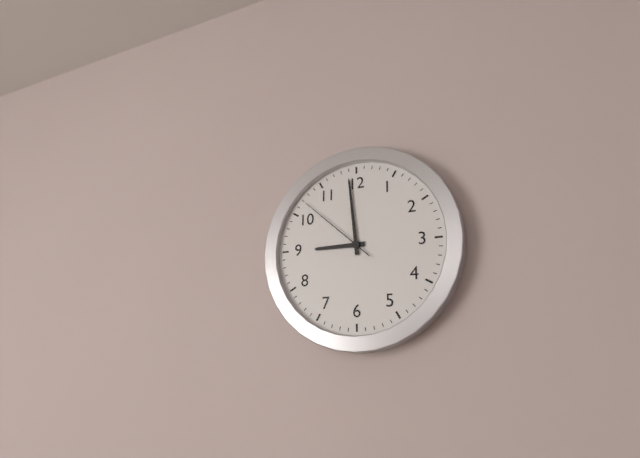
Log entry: {"hour": 8, "minute": 59, "second": 52}
